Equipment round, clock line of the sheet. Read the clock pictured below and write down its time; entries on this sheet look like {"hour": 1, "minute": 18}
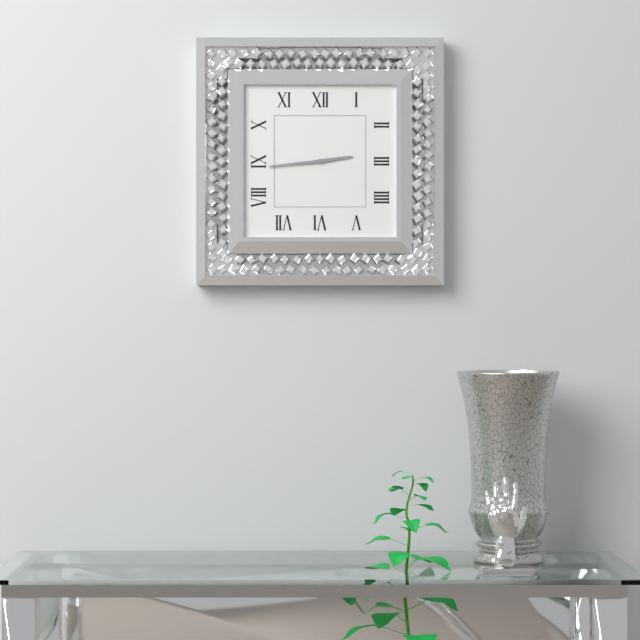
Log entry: {"hour": 2, "minute": 44}
